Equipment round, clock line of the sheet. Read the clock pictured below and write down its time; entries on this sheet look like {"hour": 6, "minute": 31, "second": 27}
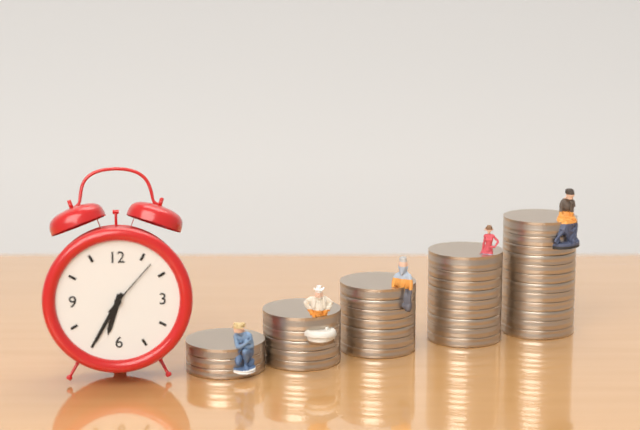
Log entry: {"hour": 6, "minute": 35, "second": 7}
